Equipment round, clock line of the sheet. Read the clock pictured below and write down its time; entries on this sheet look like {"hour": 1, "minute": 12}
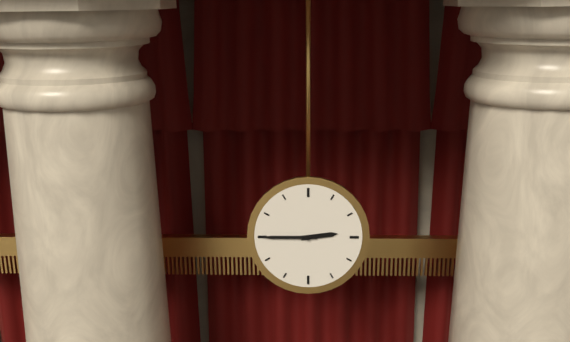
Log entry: {"hour": 2, "minute": 45}
